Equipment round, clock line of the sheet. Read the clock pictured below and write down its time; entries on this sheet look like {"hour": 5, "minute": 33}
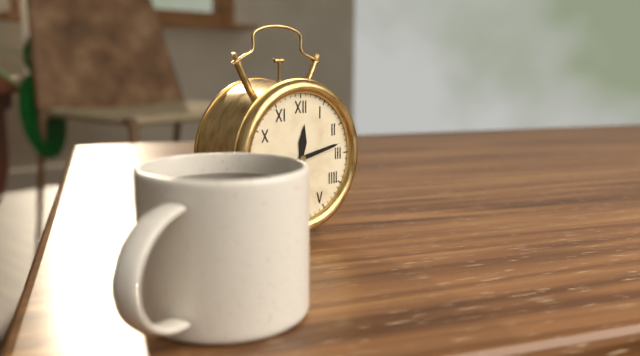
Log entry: {"hour": 12, "minute": 13}
